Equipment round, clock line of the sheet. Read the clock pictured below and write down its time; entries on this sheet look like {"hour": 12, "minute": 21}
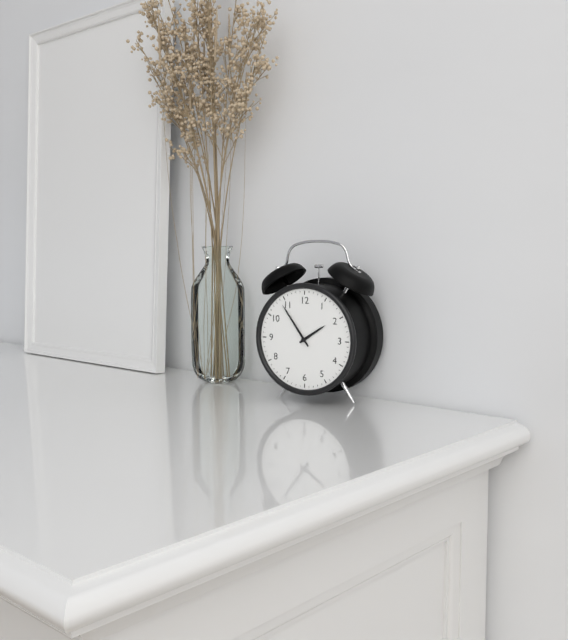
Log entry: {"hour": 1, "minute": 54}
